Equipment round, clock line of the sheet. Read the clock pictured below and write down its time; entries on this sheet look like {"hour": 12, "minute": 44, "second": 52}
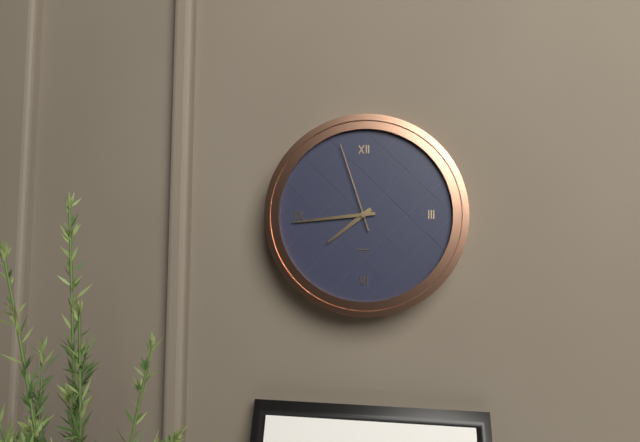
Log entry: {"hour": 7, "minute": 44, "second": 57}
